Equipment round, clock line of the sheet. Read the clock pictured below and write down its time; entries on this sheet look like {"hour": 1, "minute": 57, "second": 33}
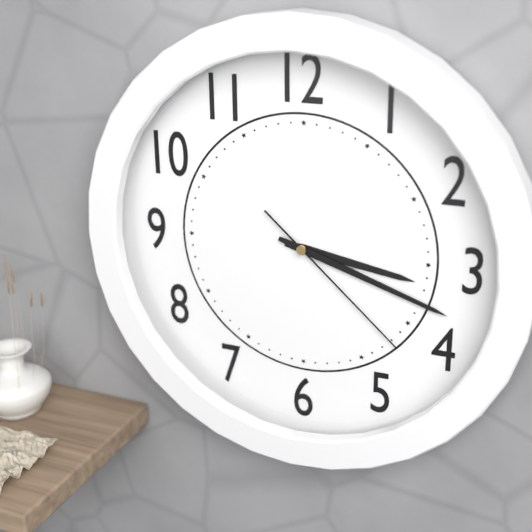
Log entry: {"hour": 3, "minute": 18, "second": 22}
